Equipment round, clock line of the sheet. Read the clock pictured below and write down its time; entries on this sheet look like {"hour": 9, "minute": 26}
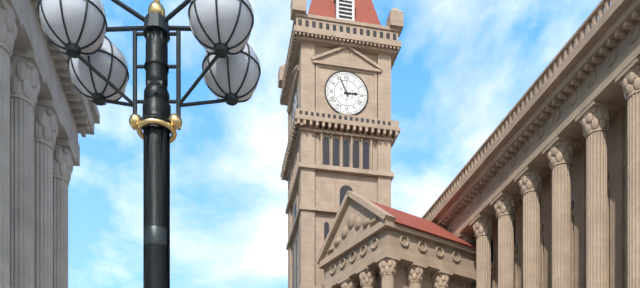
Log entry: {"hour": 2, "minute": 56}
